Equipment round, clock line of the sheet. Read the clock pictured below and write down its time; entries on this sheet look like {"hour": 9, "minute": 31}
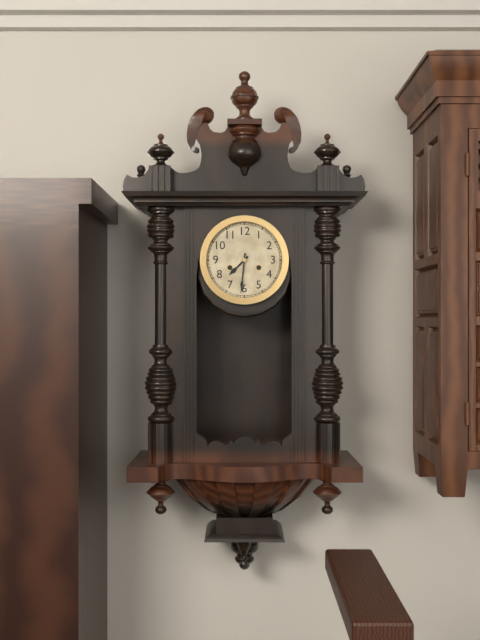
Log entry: {"hour": 7, "minute": 31}
